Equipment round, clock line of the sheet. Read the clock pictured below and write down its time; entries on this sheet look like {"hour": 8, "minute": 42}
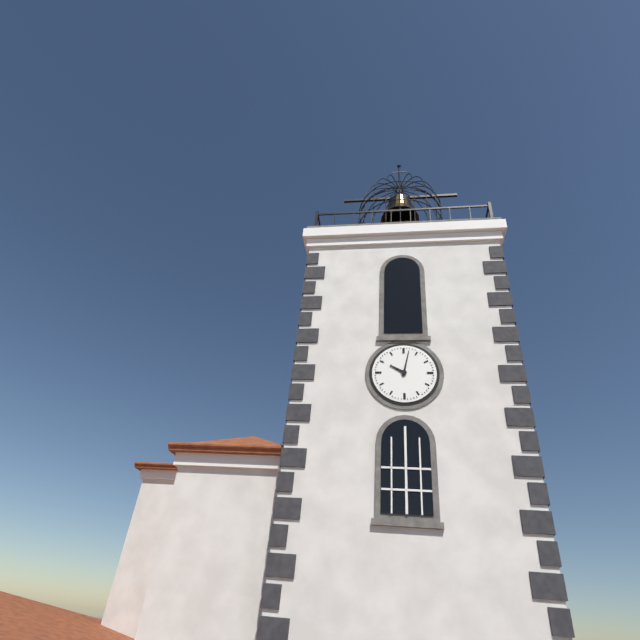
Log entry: {"hour": 10, "minute": 2}
